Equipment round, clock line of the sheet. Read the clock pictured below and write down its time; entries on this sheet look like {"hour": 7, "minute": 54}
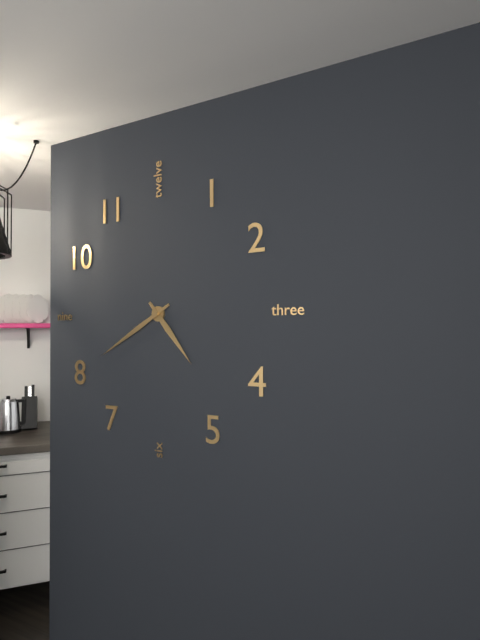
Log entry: {"hour": 4, "minute": 40}
